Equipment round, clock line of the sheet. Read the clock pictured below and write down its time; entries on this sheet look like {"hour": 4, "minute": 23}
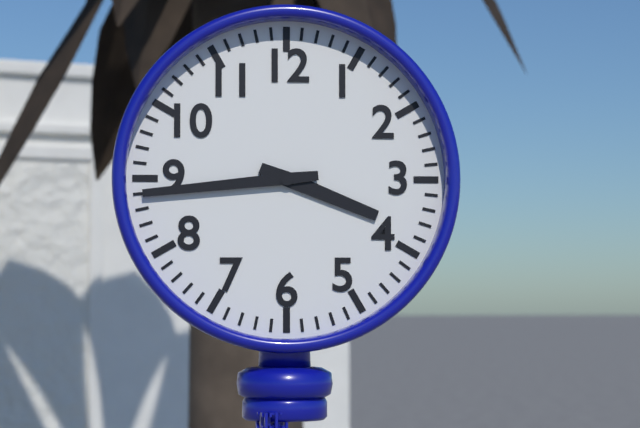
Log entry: {"hour": 3, "minute": 44}
